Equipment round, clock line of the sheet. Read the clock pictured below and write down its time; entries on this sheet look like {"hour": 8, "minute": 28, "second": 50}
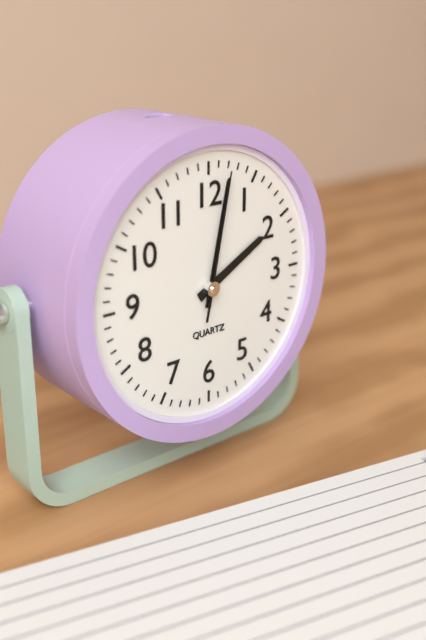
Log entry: {"hour": 2, "minute": 2, "second": 2}
